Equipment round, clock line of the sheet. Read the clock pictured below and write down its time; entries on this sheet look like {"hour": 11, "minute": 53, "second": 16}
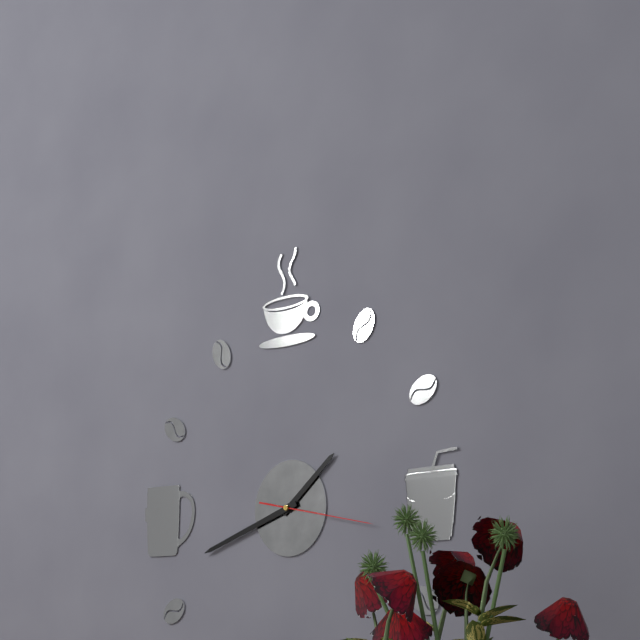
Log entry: {"hour": 1, "minute": 42, "second": 17}
